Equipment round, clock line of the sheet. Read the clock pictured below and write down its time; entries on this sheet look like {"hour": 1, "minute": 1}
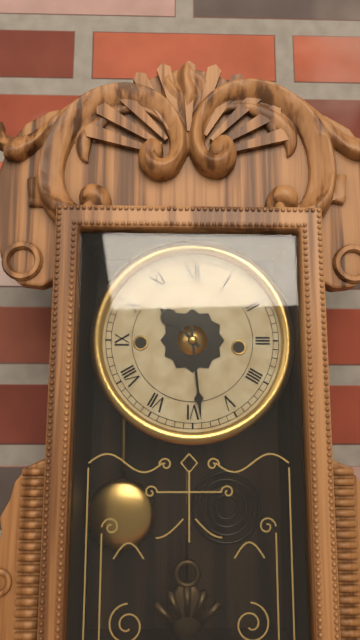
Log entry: {"hour": 10, "minute": 29}
